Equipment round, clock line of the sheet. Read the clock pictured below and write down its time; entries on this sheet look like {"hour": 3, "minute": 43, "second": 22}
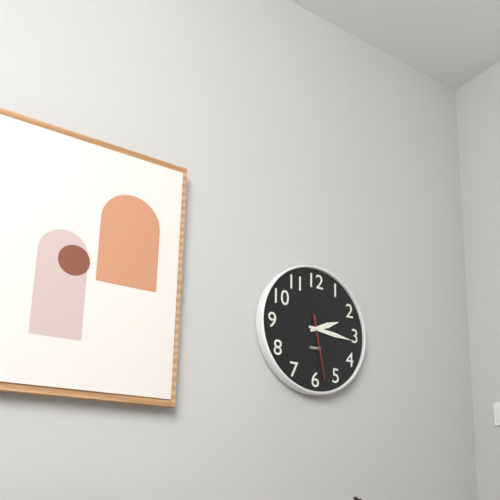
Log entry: {"hour": 2, "minute": 16, "second": 28}
